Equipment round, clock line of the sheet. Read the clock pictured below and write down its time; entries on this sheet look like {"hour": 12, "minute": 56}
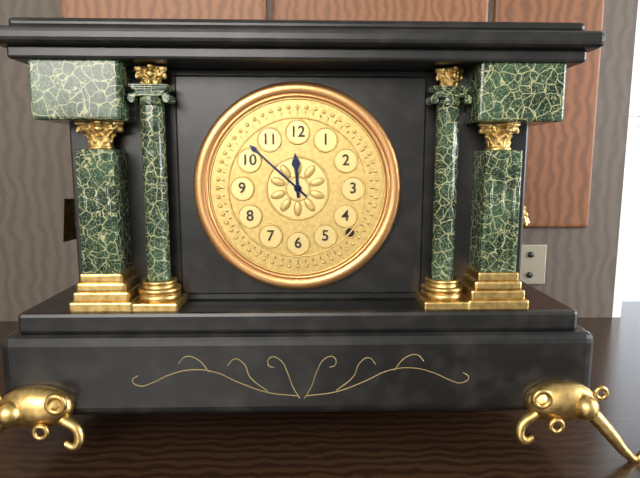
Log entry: {"hour": 11, "minute": 52}
